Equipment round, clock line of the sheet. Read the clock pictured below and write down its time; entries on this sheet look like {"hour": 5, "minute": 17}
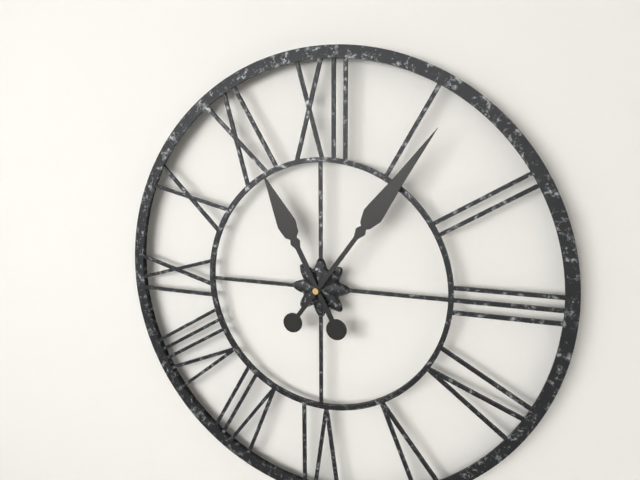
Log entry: {"hour": 11, "minute": 6}
